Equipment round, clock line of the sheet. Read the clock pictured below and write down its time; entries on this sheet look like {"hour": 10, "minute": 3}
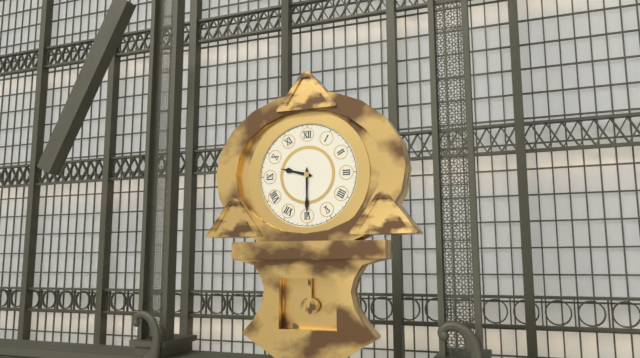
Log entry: {"hour": 9, "minute": 30}
